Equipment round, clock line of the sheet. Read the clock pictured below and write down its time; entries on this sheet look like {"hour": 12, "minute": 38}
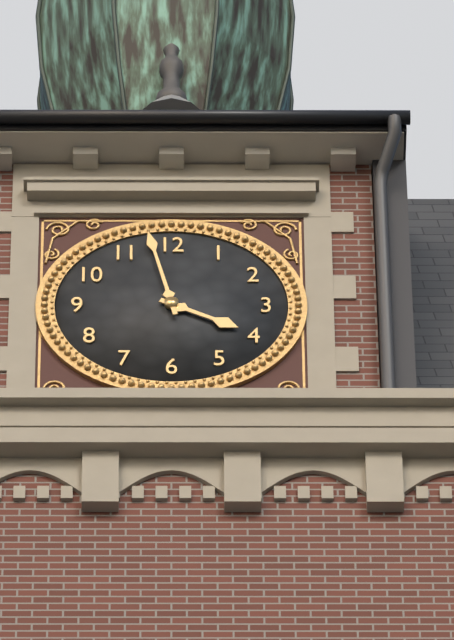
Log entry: {"hour": 3, "minute": 58}
